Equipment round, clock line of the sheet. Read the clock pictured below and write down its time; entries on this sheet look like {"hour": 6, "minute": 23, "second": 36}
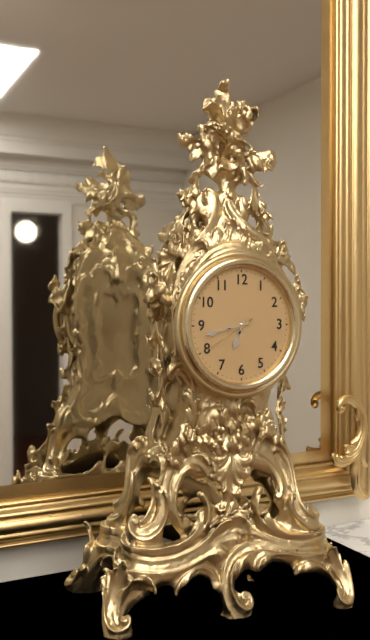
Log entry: {"hour": 6, "minute": 43, "second": 40}
